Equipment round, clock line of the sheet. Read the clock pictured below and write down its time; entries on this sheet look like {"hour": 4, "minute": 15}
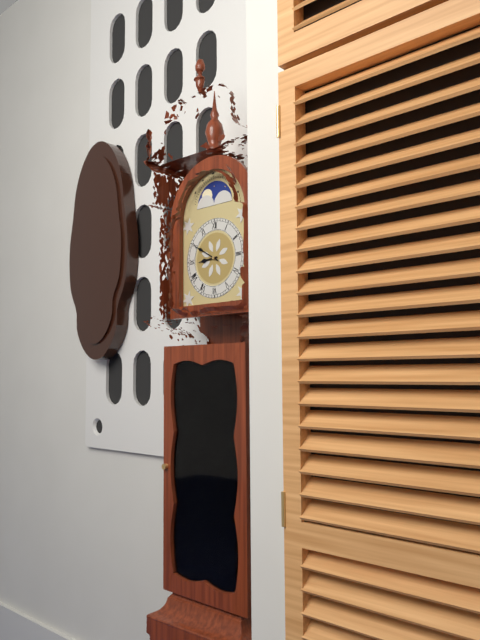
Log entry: {"hour": 8, "minute": 50}
